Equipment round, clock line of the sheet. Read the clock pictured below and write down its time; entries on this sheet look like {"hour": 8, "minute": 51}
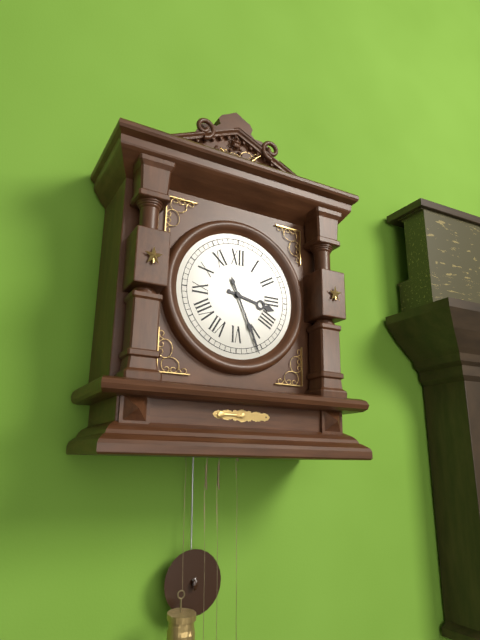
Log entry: {"hour": 3, "minute": 26}
